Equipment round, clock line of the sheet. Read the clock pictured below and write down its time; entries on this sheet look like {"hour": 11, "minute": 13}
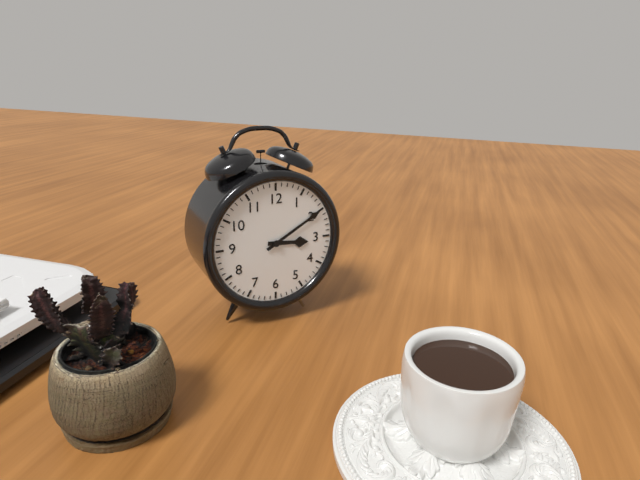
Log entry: {"hour": 3, "minute": 10}
